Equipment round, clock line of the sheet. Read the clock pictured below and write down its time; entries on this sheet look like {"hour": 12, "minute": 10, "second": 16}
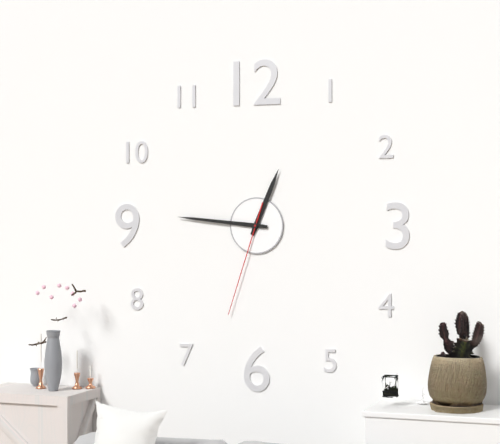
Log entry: {"hour": 12, "minute": 46, "second": 33}
